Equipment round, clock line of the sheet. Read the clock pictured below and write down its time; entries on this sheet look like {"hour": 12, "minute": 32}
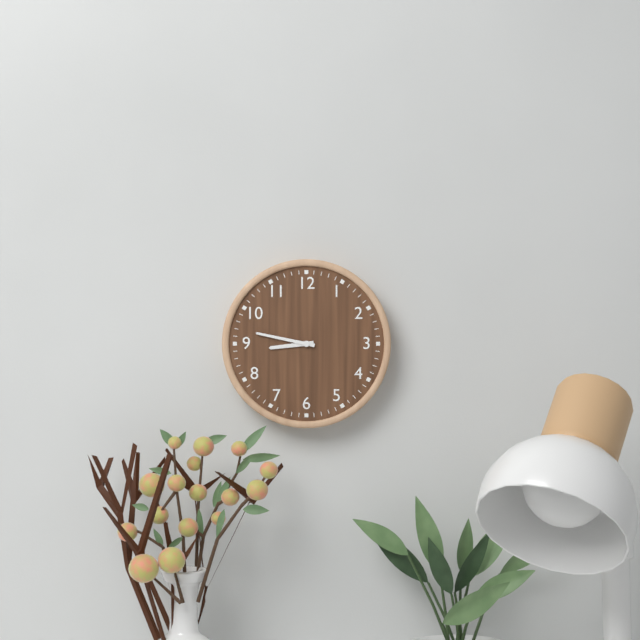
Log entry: {"hour": 8, "minute": 47}
